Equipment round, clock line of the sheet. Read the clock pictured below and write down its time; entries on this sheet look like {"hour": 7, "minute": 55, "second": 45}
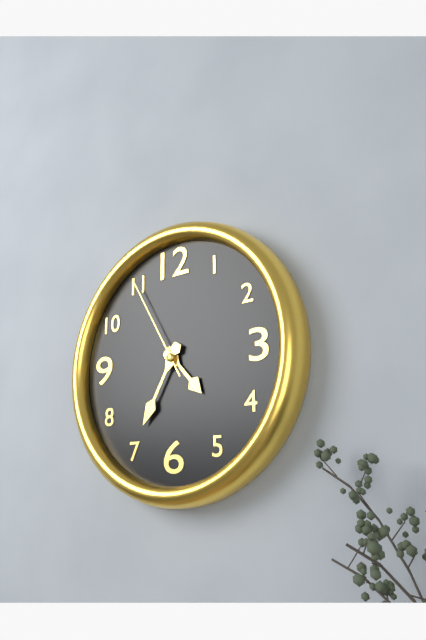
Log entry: {"hour": 4, "minute": 35, "second": 55}
